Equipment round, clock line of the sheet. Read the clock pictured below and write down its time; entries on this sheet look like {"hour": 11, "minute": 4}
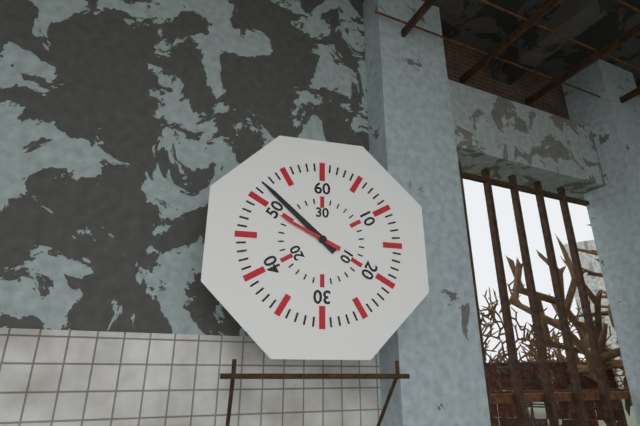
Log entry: {"hour": 9, "minute": 52}
